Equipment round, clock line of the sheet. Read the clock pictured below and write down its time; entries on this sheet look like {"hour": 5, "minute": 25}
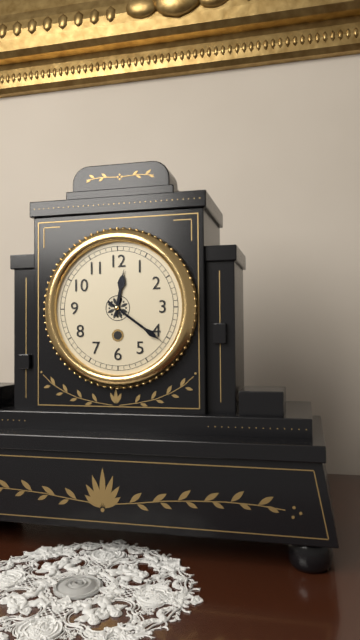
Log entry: {"hour": 12, "minute": 21}
